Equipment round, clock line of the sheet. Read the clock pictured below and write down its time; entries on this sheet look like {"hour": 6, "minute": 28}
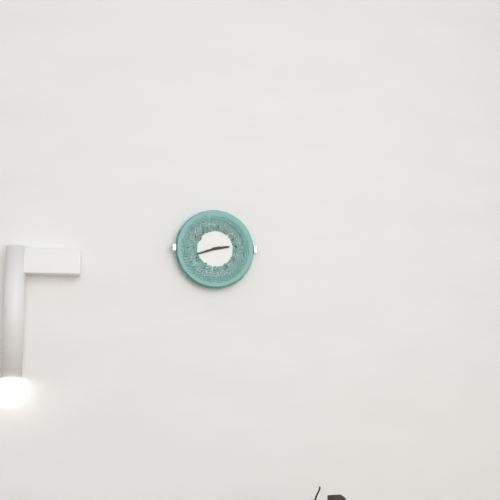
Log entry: {"hour": 2, "minute": 42}
